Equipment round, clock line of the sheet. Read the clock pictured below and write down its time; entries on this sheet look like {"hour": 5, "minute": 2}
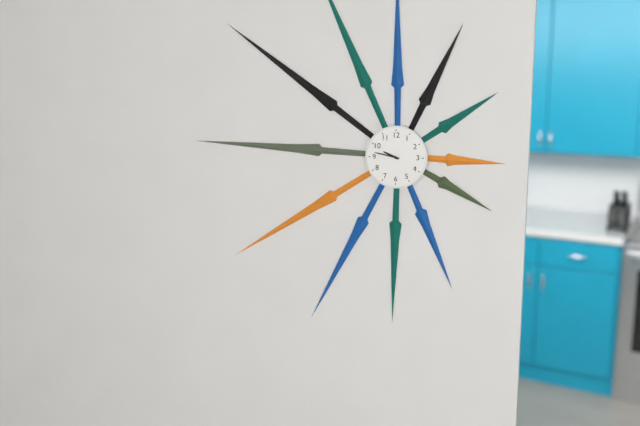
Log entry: {"hour": 9, "minute": 47}
